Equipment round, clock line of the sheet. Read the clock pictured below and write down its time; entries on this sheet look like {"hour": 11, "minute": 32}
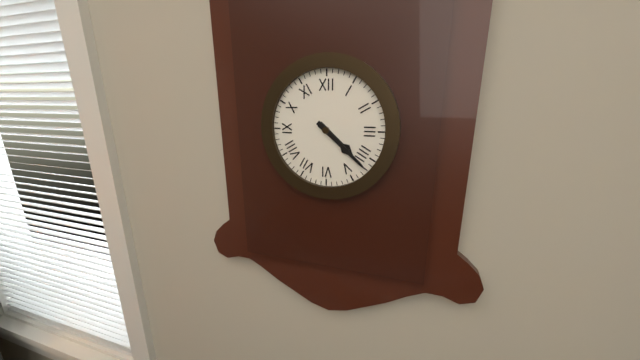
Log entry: {"hour": 4, "minute": 22}
